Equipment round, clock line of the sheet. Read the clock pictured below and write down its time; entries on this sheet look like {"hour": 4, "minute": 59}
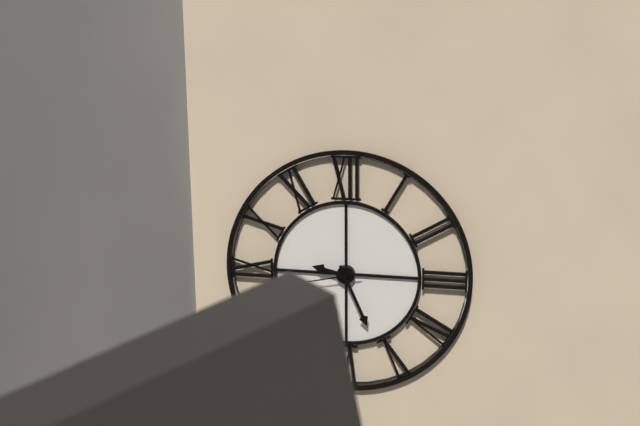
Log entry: {"hour": 9, "minute": 26}
